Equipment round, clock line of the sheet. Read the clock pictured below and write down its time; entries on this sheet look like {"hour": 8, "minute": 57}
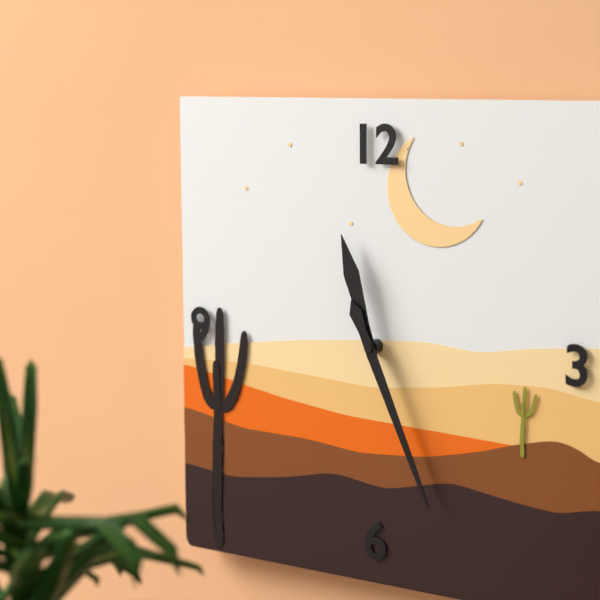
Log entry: {"hour": 11, "minute": 26}
